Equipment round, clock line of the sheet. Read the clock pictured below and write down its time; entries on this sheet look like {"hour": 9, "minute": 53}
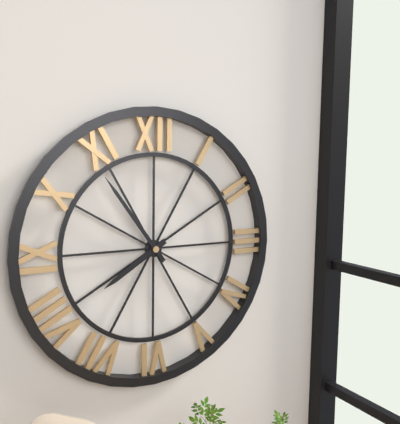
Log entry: {"hour": 7, "minute": 54}
